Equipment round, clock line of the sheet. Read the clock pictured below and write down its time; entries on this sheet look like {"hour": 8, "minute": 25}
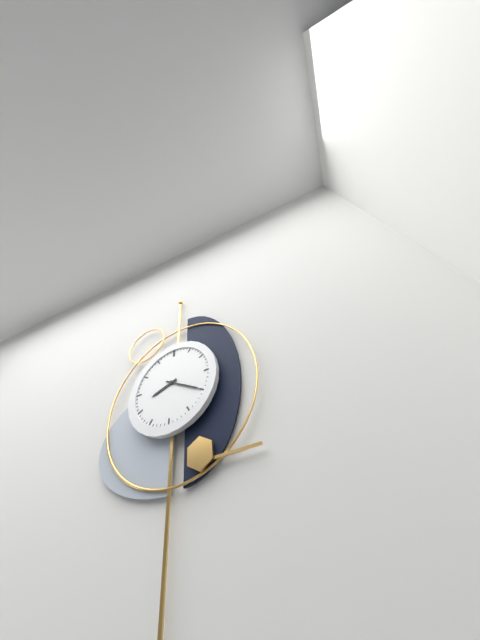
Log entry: {"hour": 8, "minute": 20}
